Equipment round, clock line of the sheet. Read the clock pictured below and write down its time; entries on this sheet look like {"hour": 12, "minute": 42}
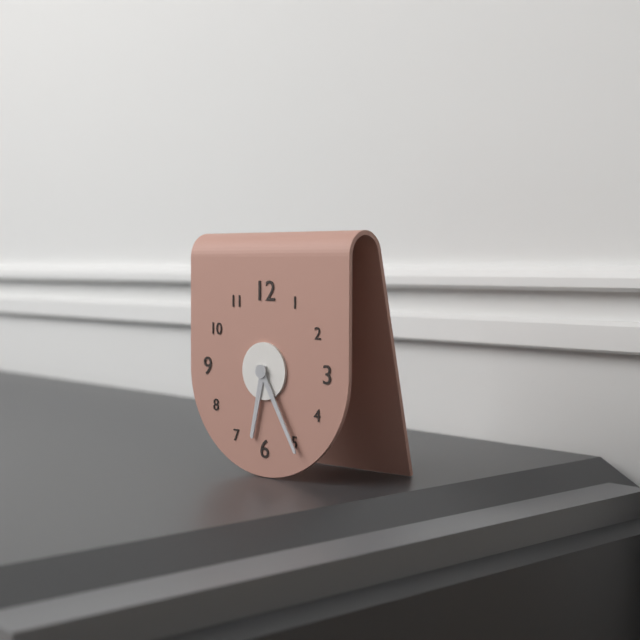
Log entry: {"hour": 6, "minute": 25}
